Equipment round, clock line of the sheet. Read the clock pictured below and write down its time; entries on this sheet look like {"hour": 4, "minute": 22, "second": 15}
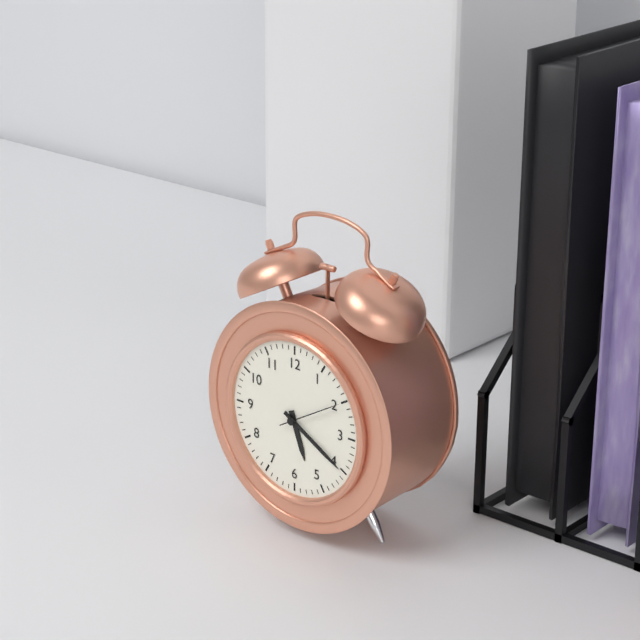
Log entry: {"hour": 5, "minute": 20, "second": 10}
